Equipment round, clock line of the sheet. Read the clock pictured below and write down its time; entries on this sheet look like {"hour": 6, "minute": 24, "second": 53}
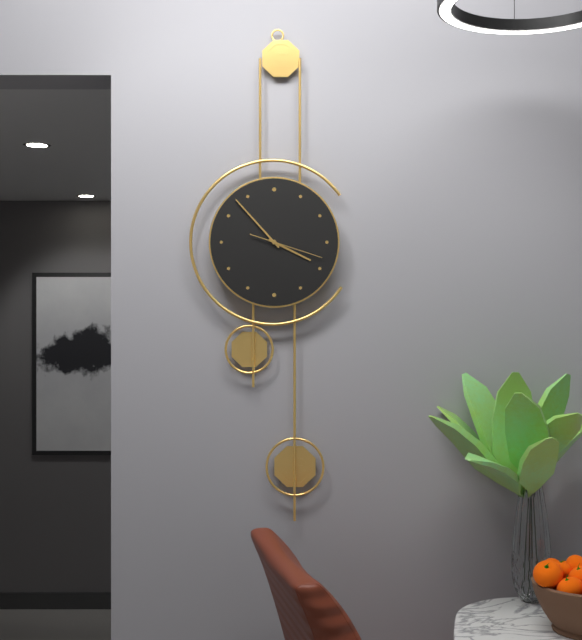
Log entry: {"hour": 3, "minute": 53, "second": 18}
